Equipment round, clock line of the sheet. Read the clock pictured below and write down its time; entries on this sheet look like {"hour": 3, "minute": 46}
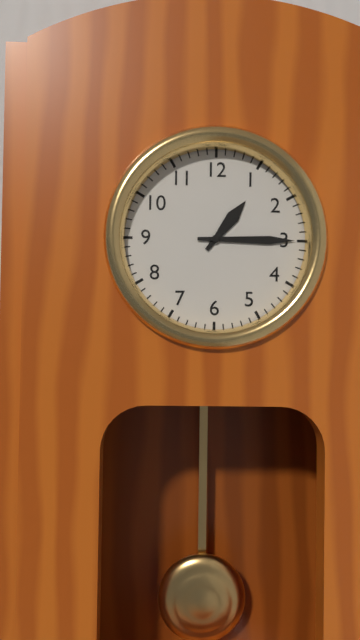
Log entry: {"hour": 1, "minute": 15}
